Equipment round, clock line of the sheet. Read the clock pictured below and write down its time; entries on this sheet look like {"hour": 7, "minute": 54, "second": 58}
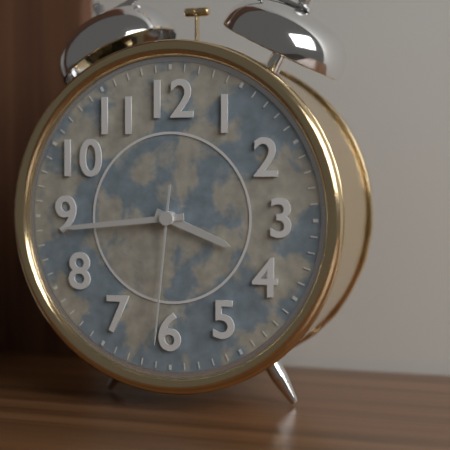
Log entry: {"hour": 3, "minute": 44, "second": 31}
